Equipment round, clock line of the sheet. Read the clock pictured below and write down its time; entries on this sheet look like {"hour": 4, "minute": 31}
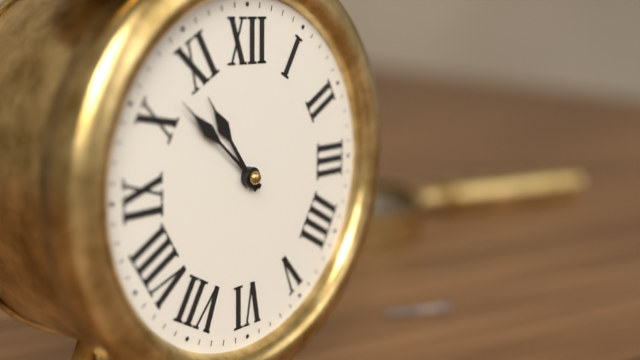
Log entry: {"hour": 10, "minute": 52}
